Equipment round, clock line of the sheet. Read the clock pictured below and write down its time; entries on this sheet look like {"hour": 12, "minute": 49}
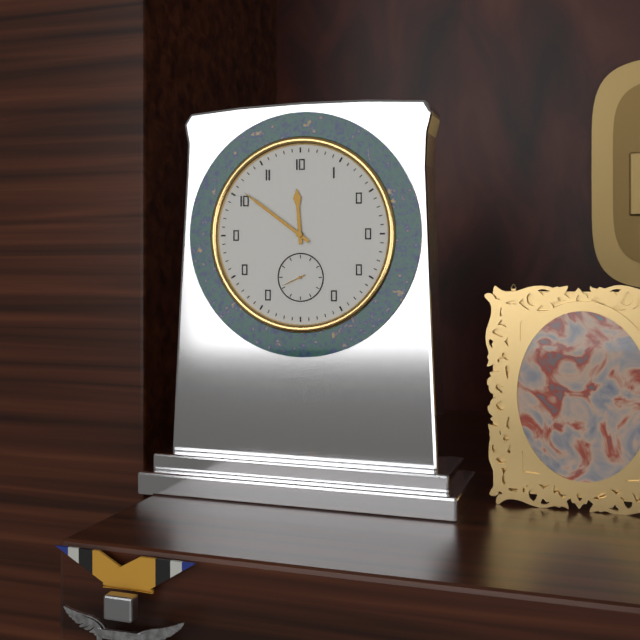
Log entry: {"hour": 11, "minute": 51}
